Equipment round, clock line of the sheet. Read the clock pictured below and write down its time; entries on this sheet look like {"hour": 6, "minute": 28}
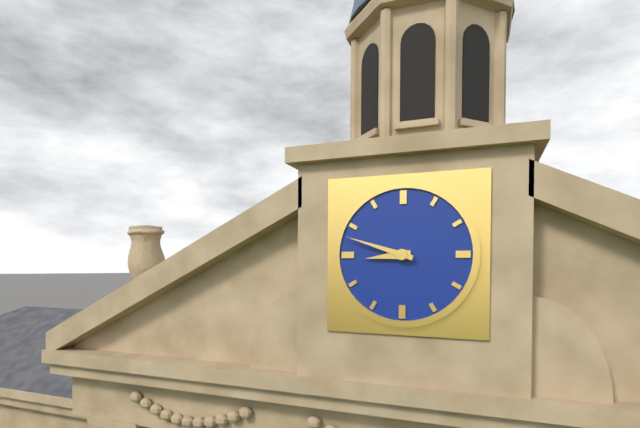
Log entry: {"hour": 8, "minute": 48}
